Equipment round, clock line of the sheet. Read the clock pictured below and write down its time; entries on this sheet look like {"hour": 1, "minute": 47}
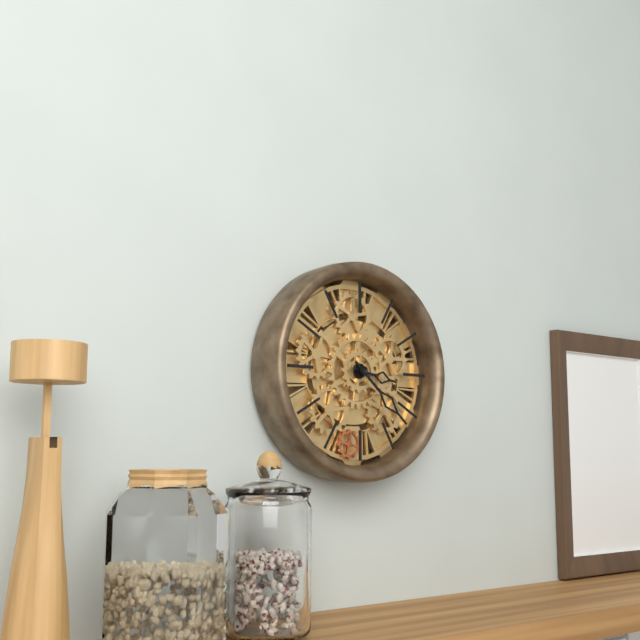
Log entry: {"hour": 3, "minute": 22}
